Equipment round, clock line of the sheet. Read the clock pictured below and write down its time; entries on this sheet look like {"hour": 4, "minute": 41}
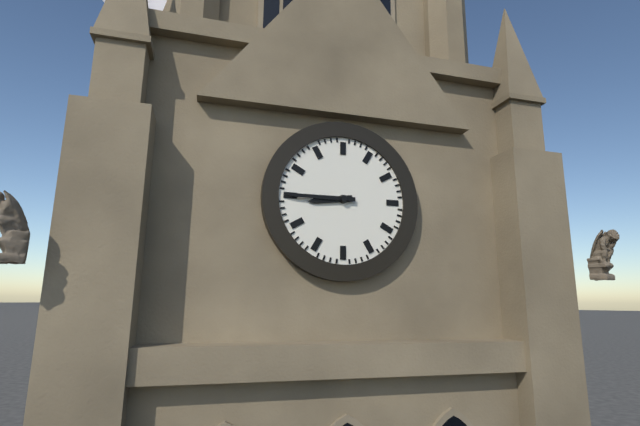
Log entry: {"hour": 8, "minute": 45}
